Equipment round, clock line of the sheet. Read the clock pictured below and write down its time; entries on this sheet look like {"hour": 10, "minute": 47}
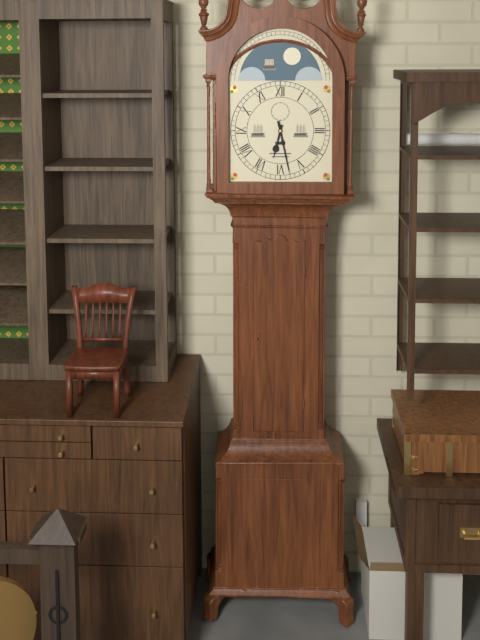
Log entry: {"hour": 6, "minute": 28}
